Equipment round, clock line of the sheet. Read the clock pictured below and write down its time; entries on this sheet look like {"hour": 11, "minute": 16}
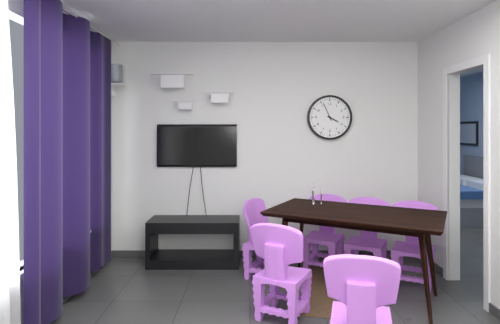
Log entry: {"hour": 3, "minute": 56}
